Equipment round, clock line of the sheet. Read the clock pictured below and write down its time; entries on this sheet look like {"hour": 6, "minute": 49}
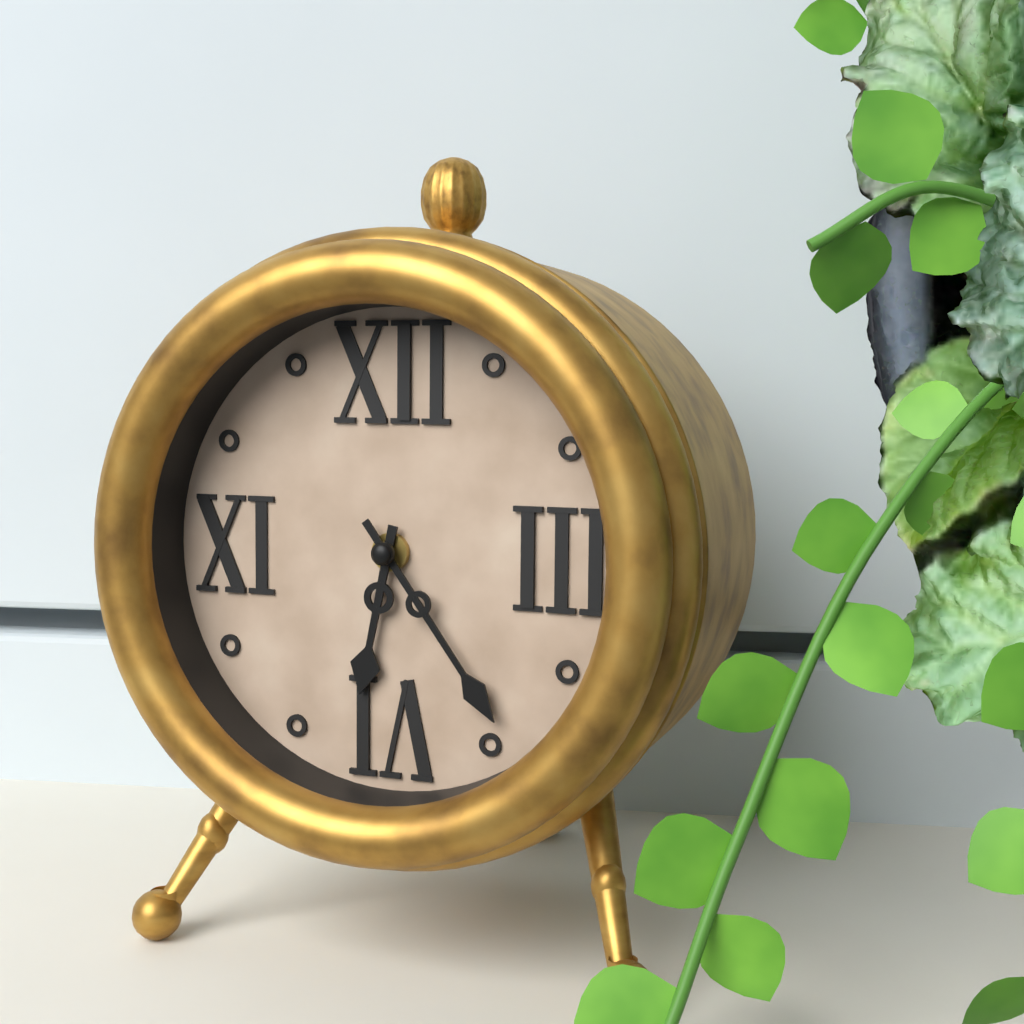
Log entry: {"hour": 6, "minute": 24}
